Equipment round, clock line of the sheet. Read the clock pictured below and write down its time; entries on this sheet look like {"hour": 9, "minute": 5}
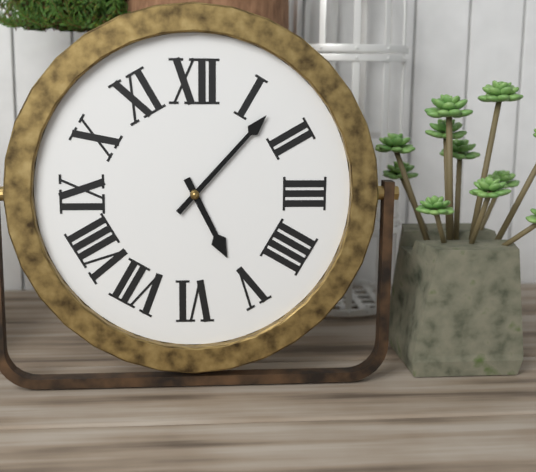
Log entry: {"hour": 5, "minute": 7}
